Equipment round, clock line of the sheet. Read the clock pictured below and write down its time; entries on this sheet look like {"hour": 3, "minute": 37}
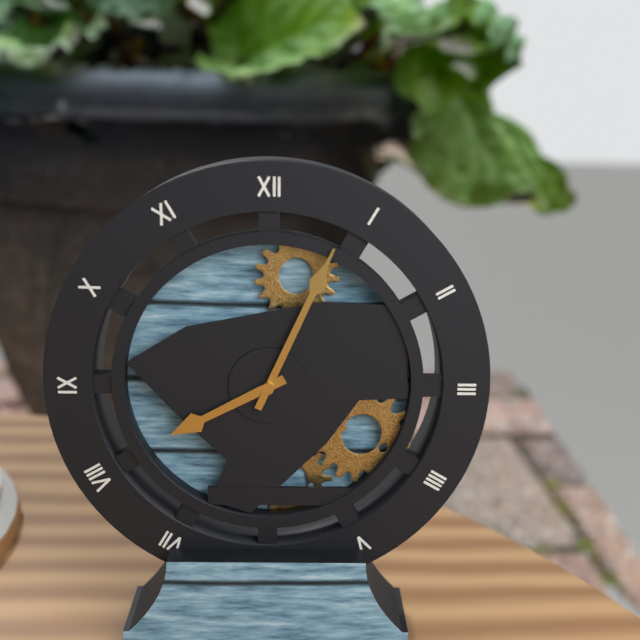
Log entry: {"hour": 8, "minute": 4}
